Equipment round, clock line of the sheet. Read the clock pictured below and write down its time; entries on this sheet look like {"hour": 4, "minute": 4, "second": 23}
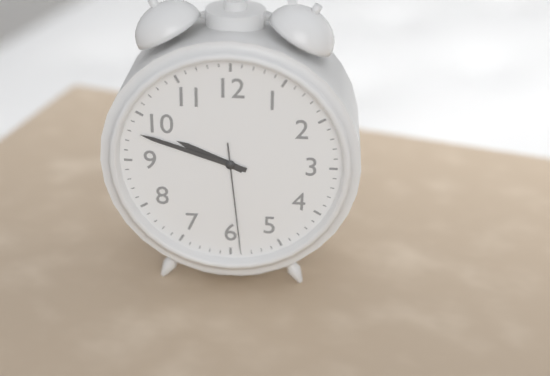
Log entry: {"hour": 9, "minute": 48, "second": 29}
